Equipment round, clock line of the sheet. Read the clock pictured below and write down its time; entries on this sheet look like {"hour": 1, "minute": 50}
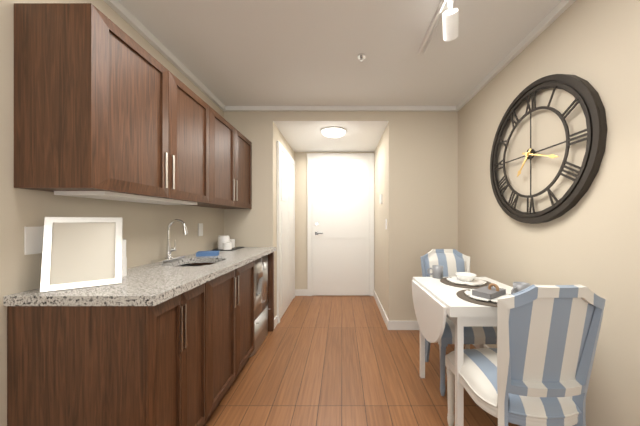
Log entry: {"hour": 7, "minute": 18}
